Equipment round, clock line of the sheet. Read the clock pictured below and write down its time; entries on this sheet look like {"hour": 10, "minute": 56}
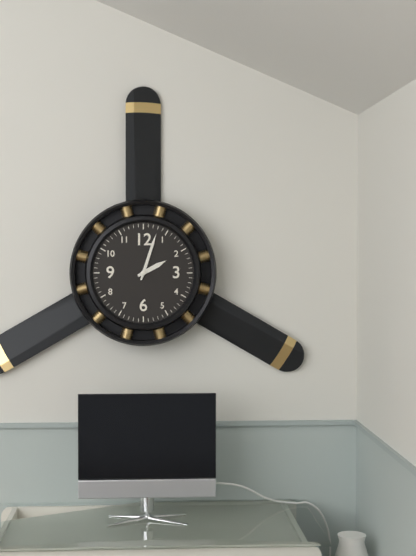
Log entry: {"hour": 2, "minute": 3}
